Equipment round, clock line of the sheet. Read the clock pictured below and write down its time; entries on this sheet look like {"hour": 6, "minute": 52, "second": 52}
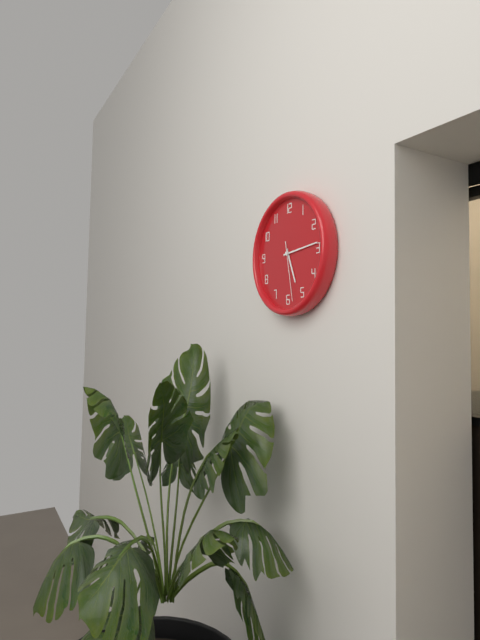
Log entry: {"hour": 5, "minute": 14, "second": 28}
